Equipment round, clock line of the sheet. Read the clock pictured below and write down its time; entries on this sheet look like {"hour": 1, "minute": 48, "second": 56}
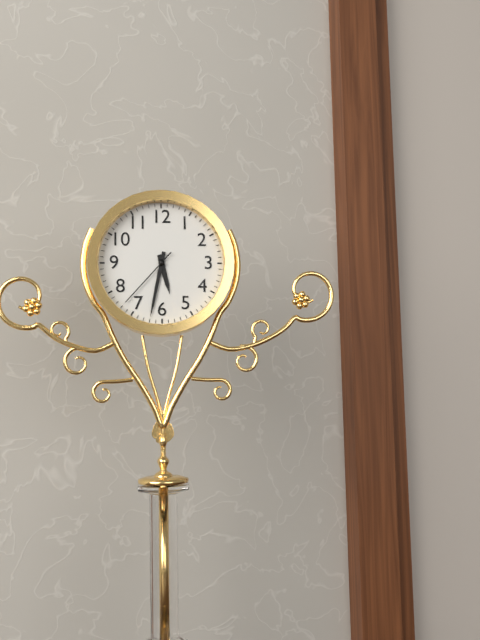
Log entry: {"hour": 5, "minute": 32, "second": 37}
